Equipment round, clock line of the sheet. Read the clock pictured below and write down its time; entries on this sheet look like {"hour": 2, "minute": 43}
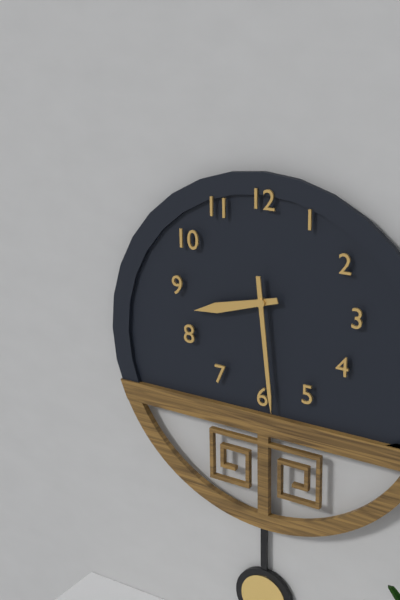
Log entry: {"hour": 8, "minute": 29}
